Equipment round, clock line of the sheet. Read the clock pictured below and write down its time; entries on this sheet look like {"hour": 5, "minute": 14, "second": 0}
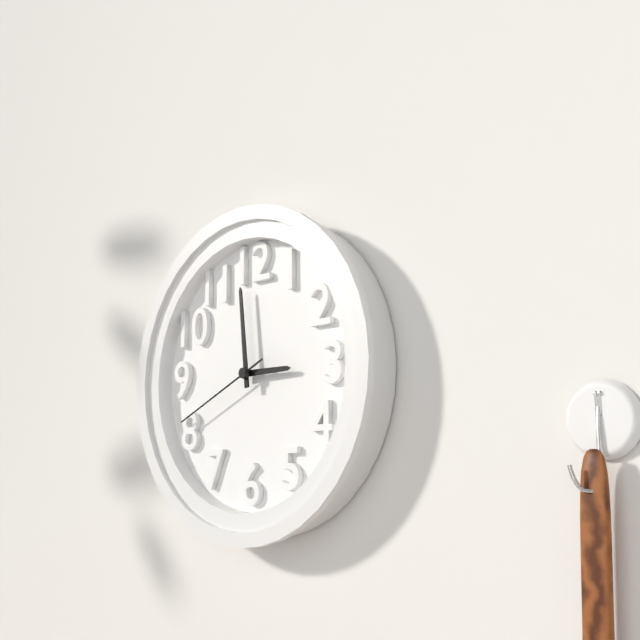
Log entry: {"hour": 2, "minute": 59, "second": 41}
